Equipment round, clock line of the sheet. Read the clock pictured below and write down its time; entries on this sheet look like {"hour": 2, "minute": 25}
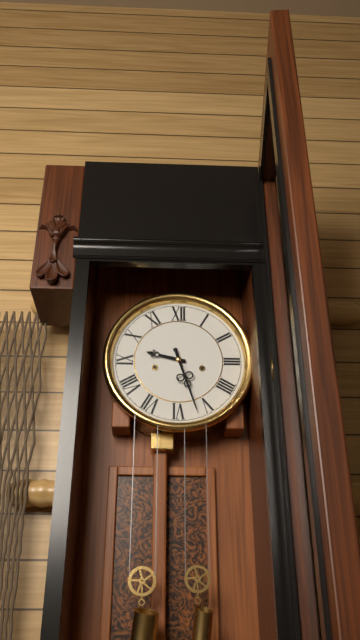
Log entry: {"hour": 9, "minute": 27}
